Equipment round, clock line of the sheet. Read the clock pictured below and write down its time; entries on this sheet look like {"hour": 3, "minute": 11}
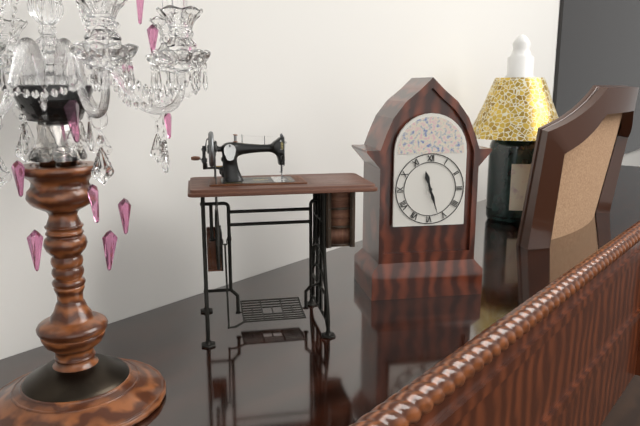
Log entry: {"hour": 11, "minute": 27}
